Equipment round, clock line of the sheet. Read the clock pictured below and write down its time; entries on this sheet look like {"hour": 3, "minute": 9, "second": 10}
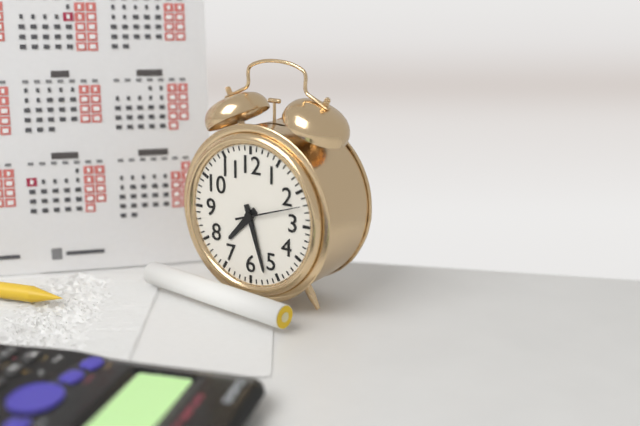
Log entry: {"hour": 7, "minute": 27, "second": 12}
